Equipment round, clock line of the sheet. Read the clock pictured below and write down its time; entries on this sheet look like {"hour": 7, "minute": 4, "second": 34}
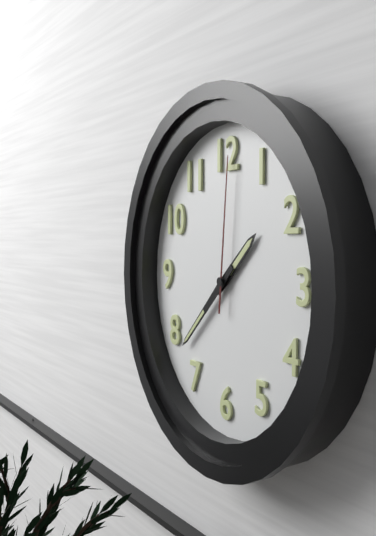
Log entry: {"hour": 1, "minute": 38, "second": 1}
